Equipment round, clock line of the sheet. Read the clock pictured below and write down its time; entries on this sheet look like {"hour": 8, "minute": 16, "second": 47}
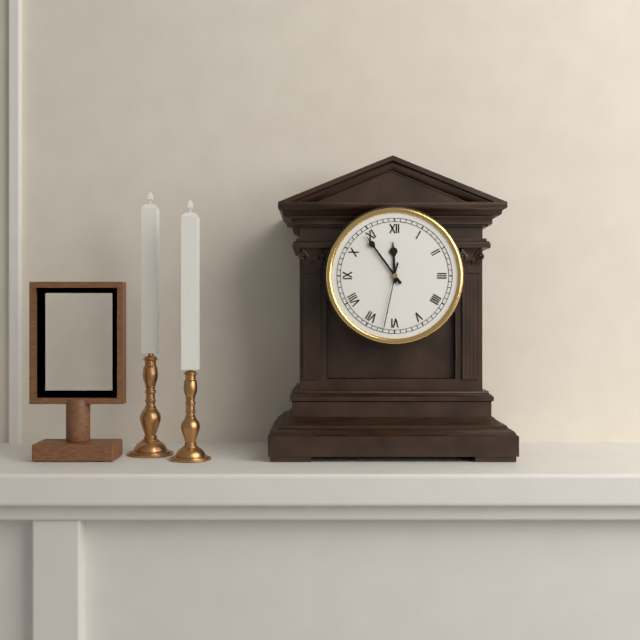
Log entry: {"hour": 11, "minute": 54, "second": 32}
